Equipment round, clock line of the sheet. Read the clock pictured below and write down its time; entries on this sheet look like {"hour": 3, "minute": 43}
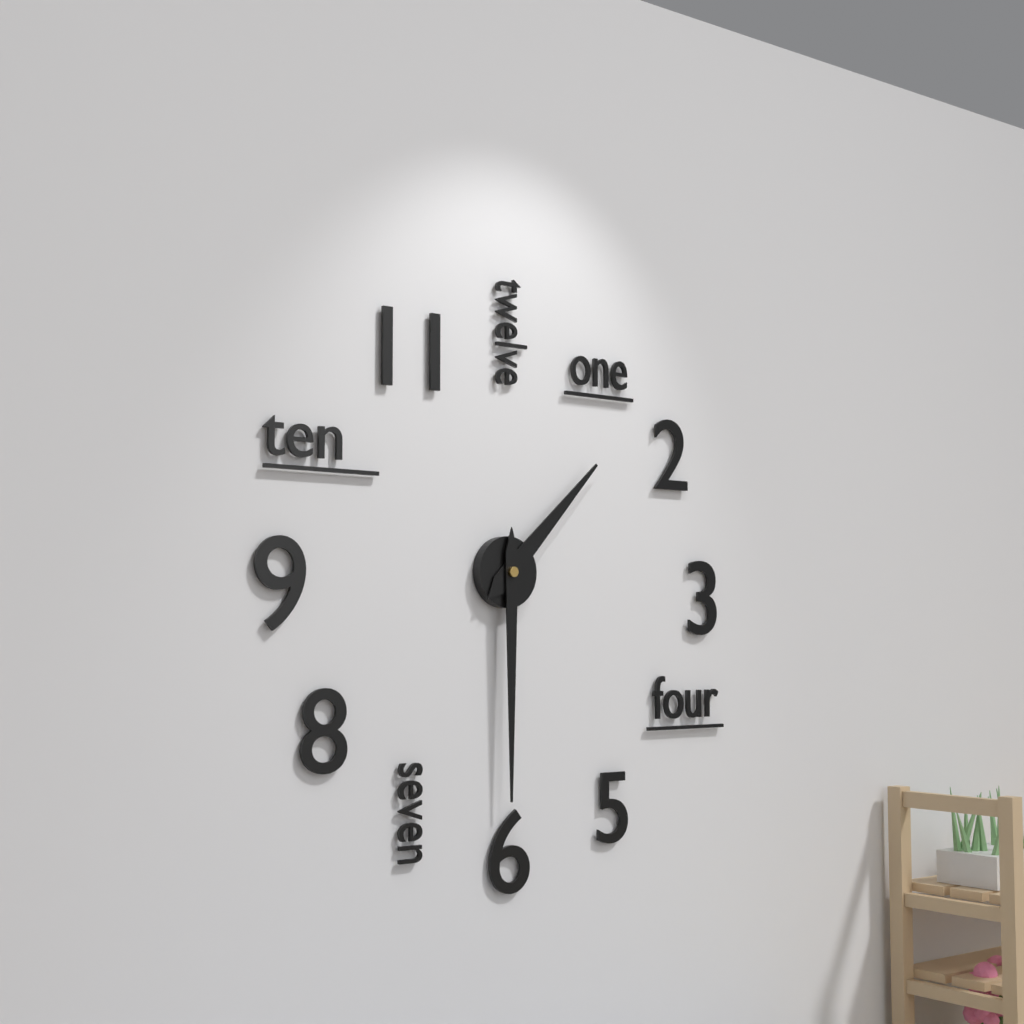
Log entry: {"hour": 1, "minute": 30}
